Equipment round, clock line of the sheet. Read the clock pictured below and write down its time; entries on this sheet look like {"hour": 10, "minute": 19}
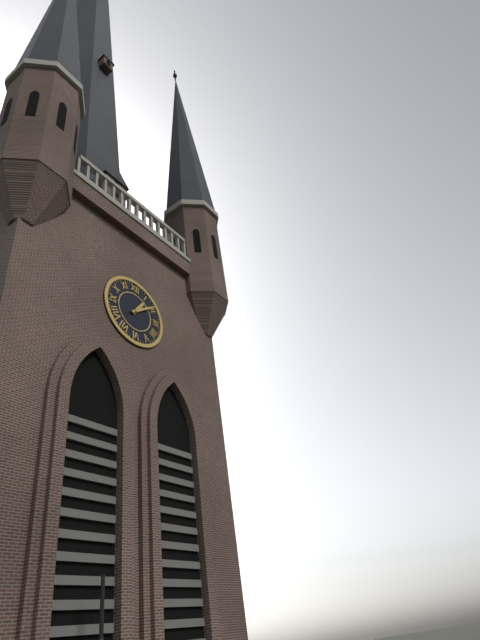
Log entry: {"hour": 1, "minute": 9}
